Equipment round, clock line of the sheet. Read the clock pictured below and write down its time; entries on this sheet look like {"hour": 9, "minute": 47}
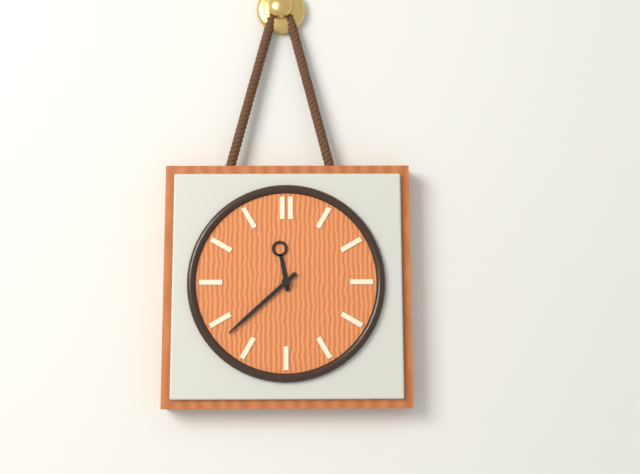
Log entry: {"hour": 11, "minute": 38}
